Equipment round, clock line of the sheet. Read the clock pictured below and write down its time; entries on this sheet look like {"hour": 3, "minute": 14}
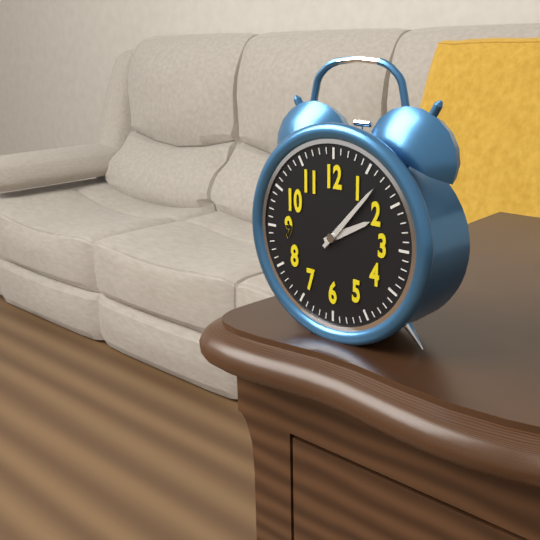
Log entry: {"hour": 2, "minute": 7}
